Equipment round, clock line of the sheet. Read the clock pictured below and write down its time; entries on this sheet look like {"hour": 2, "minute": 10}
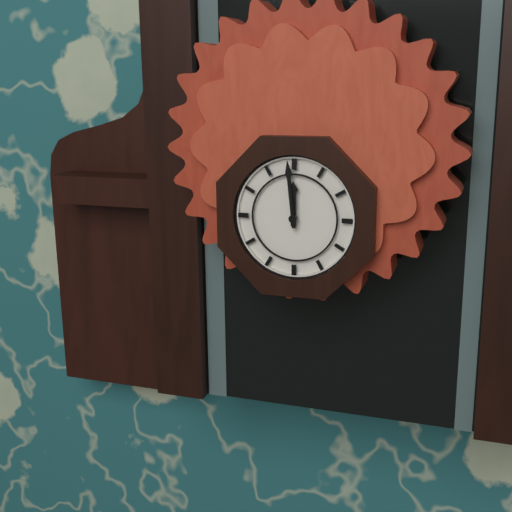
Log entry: {"hour": 11, "minute": 59}
